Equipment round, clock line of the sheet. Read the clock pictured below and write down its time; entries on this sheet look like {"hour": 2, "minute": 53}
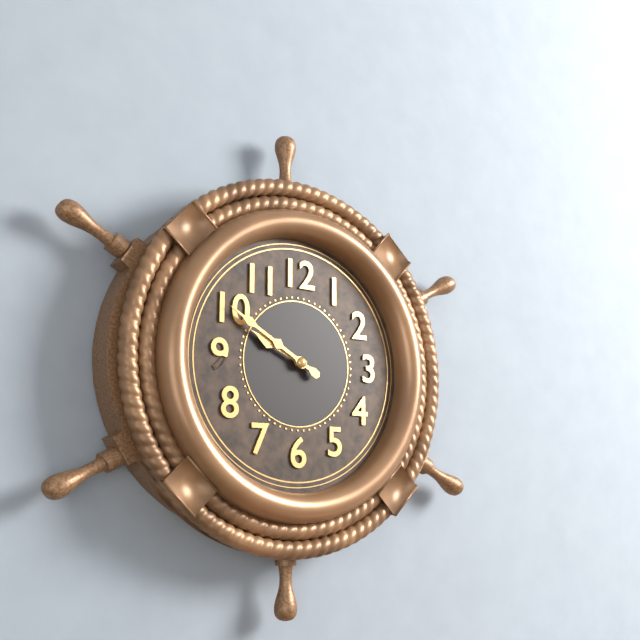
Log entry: {"hour": 9, "minute": 50}
